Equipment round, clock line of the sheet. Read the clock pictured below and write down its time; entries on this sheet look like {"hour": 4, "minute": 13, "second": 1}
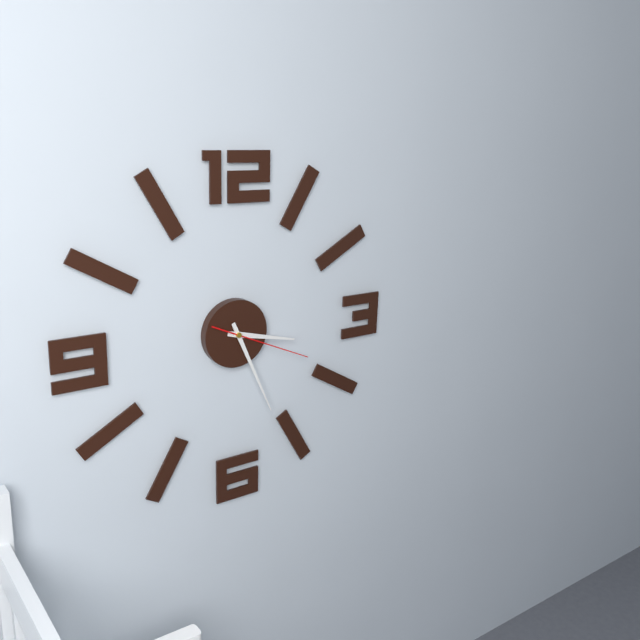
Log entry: {"hour": 3, "minute": 26, "second": 19}
